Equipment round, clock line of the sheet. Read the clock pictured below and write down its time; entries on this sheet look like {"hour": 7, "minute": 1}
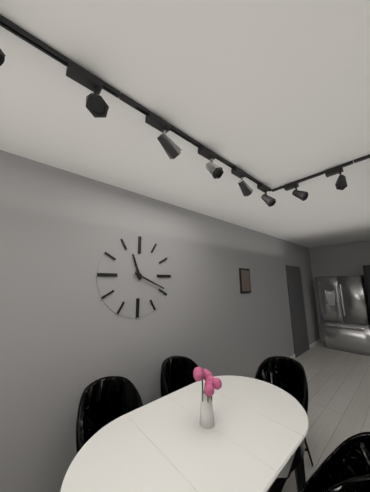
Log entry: {"hour": 11, "minute": 19}
